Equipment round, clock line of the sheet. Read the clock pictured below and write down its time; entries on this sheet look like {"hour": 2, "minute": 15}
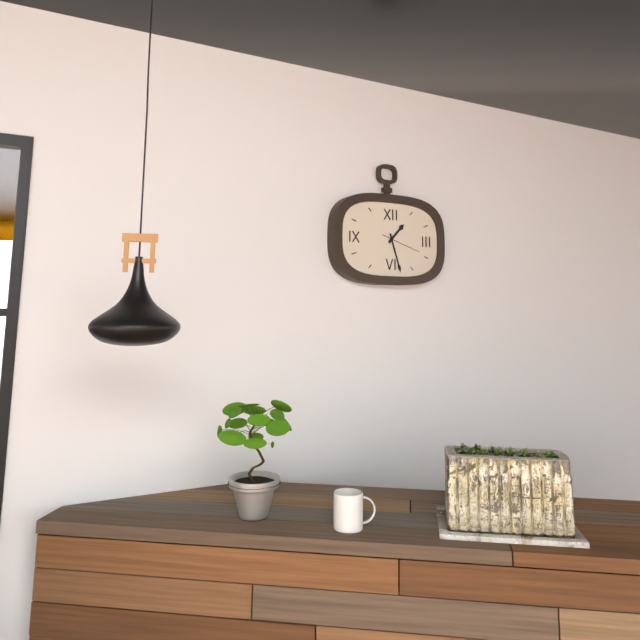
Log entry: {"hour": 1, "minute": 27}
